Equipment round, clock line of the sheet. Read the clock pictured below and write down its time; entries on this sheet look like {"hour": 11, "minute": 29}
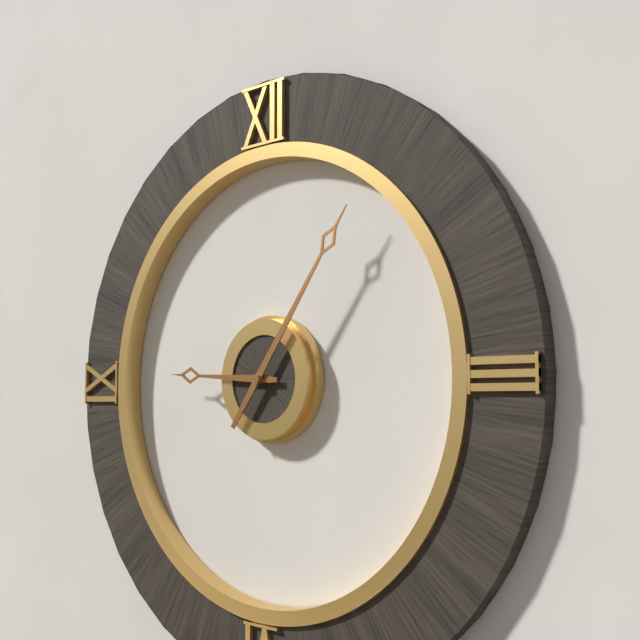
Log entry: {"hour": 9, "minute": 6}
